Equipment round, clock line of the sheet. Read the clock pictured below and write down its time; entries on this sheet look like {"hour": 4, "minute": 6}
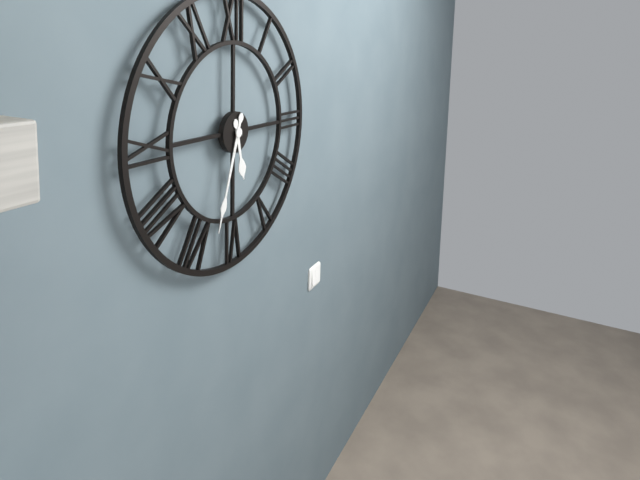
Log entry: {"hour": 5, "minute": 33}
